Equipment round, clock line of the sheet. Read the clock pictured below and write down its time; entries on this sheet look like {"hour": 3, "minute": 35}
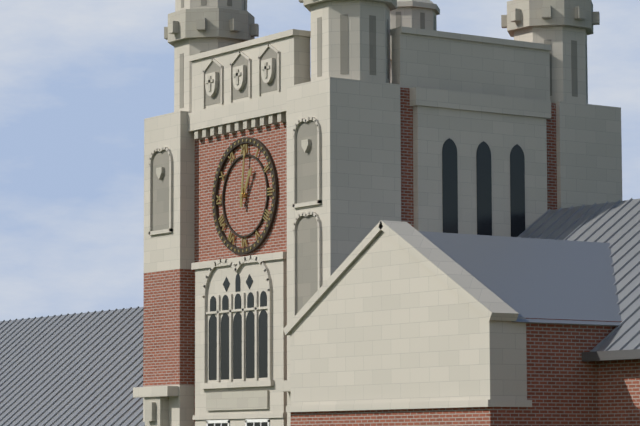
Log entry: {"hour": 1, "minute": 1}
